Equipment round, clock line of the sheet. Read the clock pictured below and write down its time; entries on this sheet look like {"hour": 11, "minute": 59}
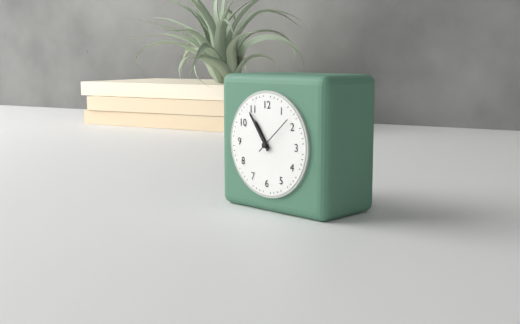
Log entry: {"hour": 10, "minute": 54}
